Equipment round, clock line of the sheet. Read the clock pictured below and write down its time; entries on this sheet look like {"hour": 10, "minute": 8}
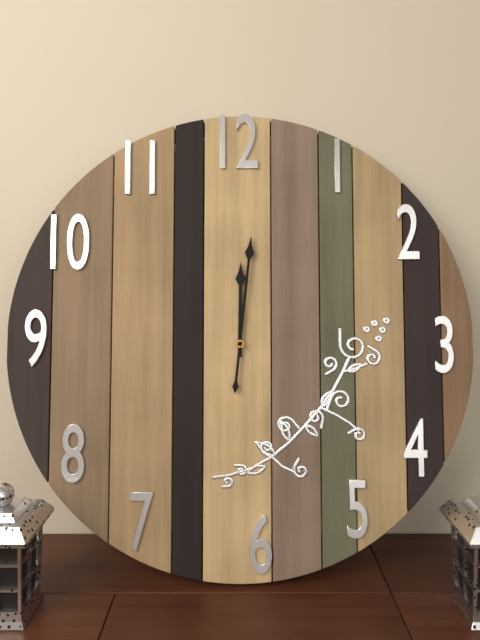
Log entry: {"hour": 12, "minute": 1}
